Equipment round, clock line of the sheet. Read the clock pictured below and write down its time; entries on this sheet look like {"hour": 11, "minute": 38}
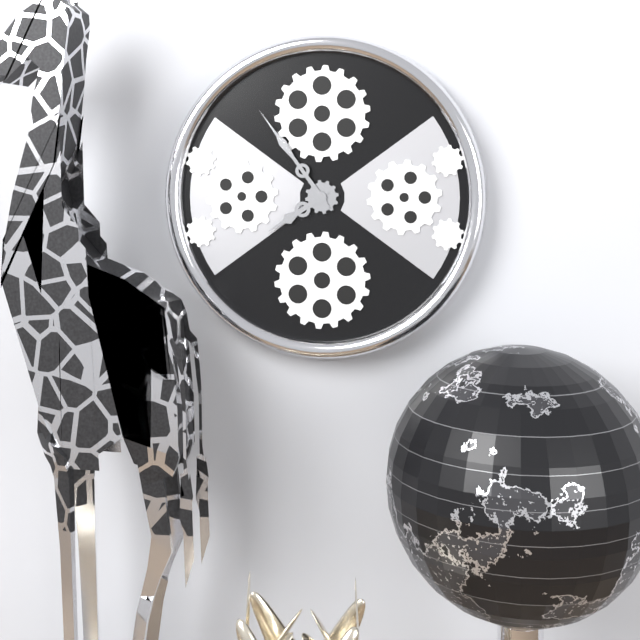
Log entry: {"hour": 7, "minute": 54}
